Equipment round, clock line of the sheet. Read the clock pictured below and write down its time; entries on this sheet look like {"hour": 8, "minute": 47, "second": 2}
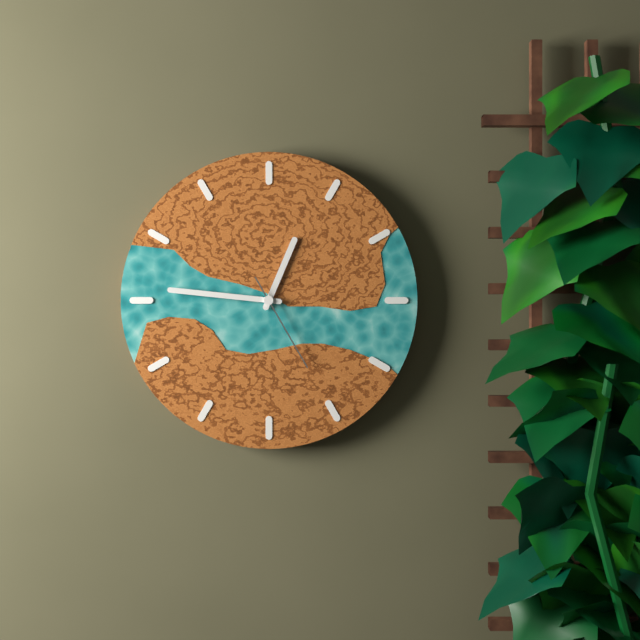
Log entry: {"hour": 12, "minute": 46, "second": 25}
